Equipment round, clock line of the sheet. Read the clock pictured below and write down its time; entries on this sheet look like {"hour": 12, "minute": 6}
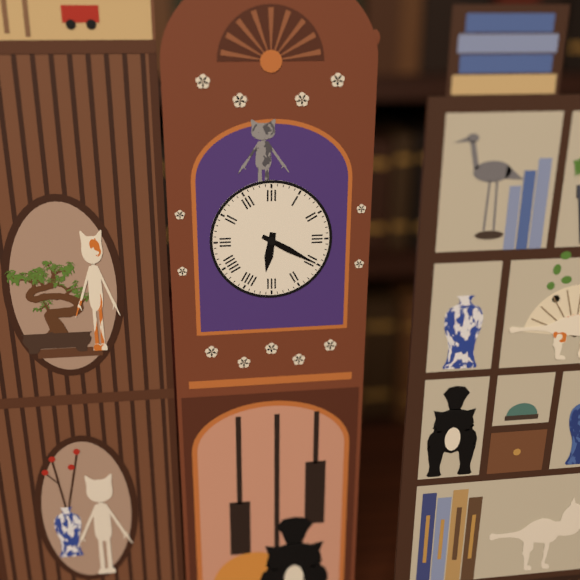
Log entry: {"hour": 6, "minute": 20}
